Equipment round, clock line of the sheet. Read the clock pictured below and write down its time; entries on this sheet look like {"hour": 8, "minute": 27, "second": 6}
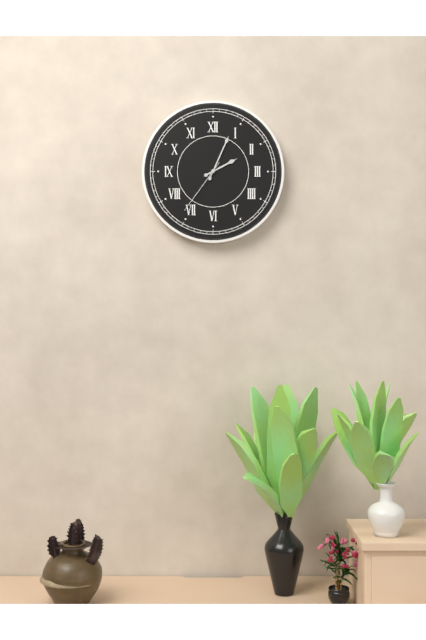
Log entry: {"hour": 2, "minute": 4, "second": 36}
